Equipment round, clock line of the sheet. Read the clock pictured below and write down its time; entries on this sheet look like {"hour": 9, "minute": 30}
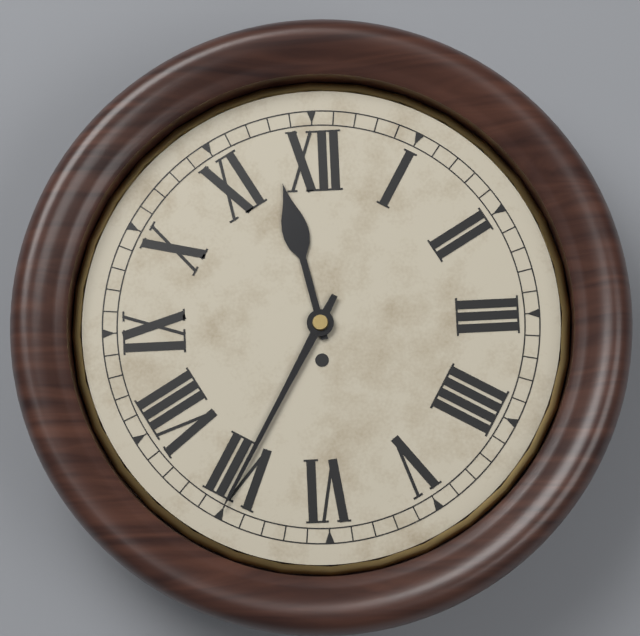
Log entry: {"hour": 11, "minute": 35}
